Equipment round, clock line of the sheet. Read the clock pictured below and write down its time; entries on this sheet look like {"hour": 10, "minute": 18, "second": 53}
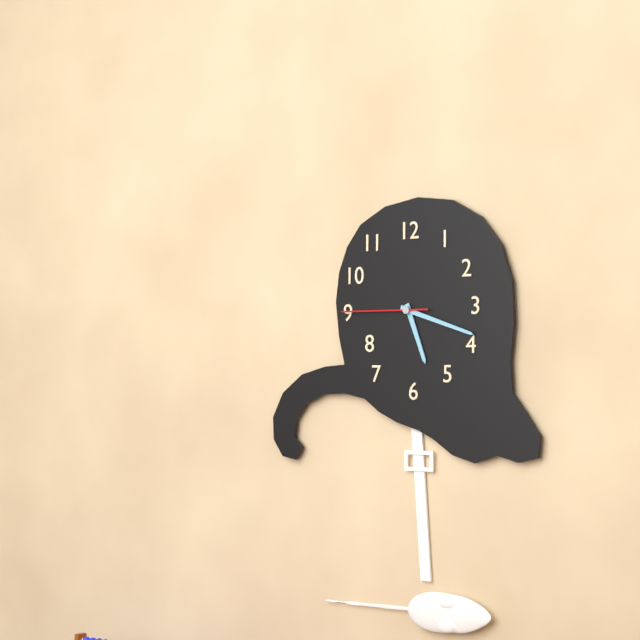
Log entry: {"hour": 5, "minute": 18, "second": 45}
